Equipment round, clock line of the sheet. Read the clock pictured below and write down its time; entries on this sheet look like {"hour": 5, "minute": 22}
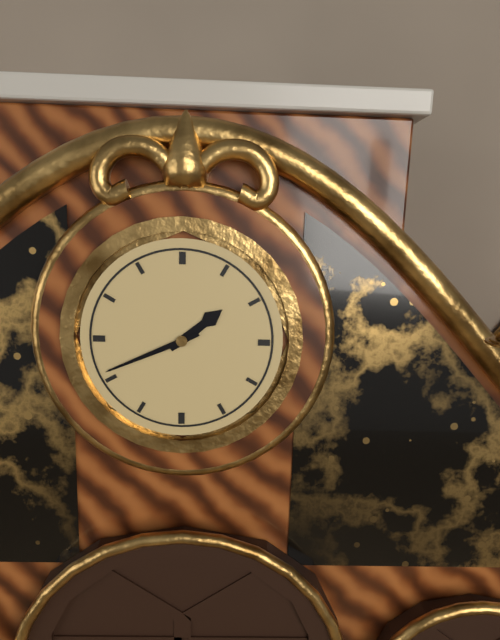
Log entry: {"hour": 1, "minute": 41}
